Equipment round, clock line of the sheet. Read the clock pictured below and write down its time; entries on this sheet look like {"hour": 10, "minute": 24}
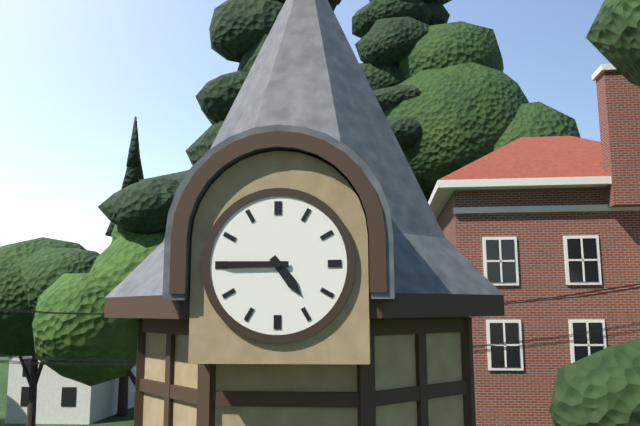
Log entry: {"hour": 4, "minute": 45}
